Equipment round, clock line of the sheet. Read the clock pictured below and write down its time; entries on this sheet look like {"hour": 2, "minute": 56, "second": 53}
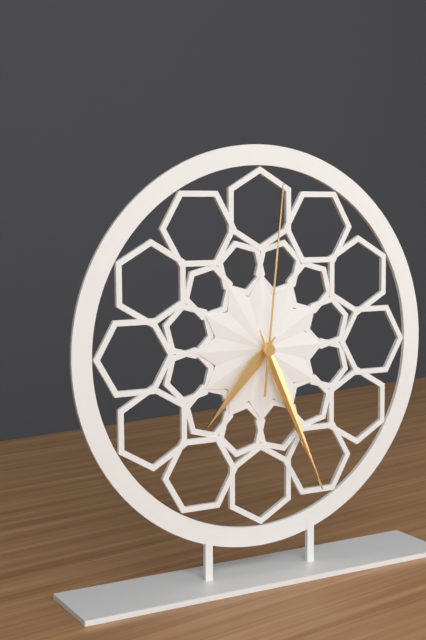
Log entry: {"hour": 7, "minute": 26, "second": 1}
